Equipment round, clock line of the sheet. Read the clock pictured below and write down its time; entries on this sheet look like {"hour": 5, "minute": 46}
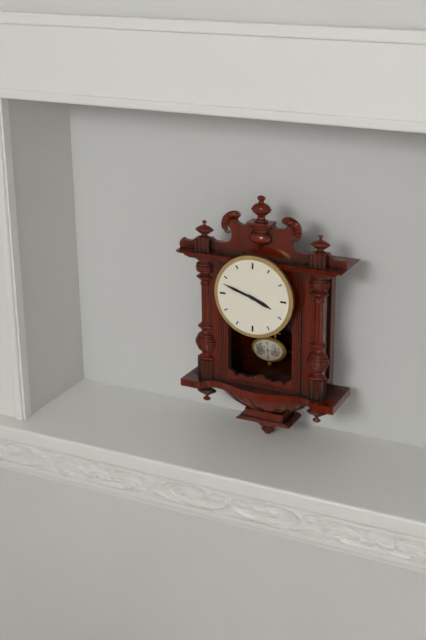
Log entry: {"hour": 3, "minute": 48}
